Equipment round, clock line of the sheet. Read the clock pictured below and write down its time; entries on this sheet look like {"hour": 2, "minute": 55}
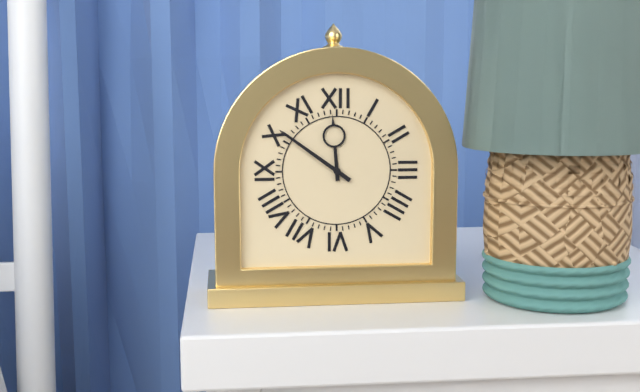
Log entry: {"hour": 11, "minute": 51}
